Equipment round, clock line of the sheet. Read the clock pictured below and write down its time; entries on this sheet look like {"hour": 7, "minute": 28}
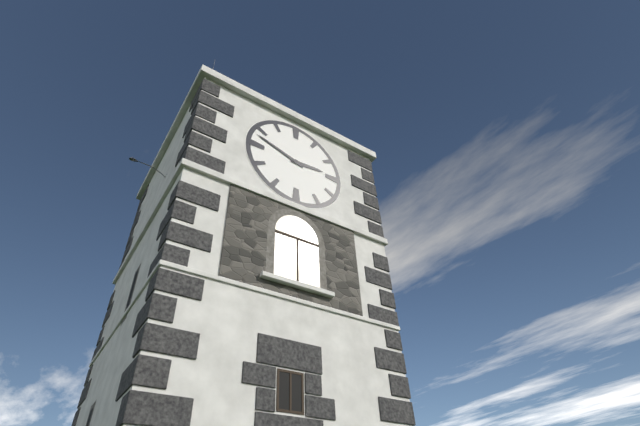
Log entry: {"hour": 2, "minute": 48}
